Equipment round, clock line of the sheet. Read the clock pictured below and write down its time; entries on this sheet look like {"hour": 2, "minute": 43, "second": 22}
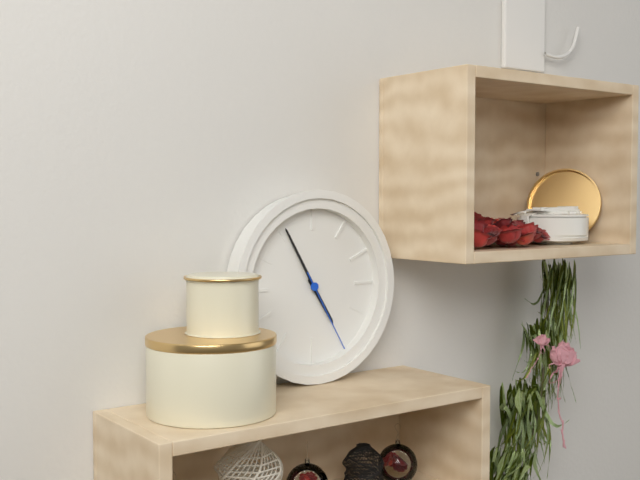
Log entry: {"hour": 4, "minute": 55, "second": 25}
